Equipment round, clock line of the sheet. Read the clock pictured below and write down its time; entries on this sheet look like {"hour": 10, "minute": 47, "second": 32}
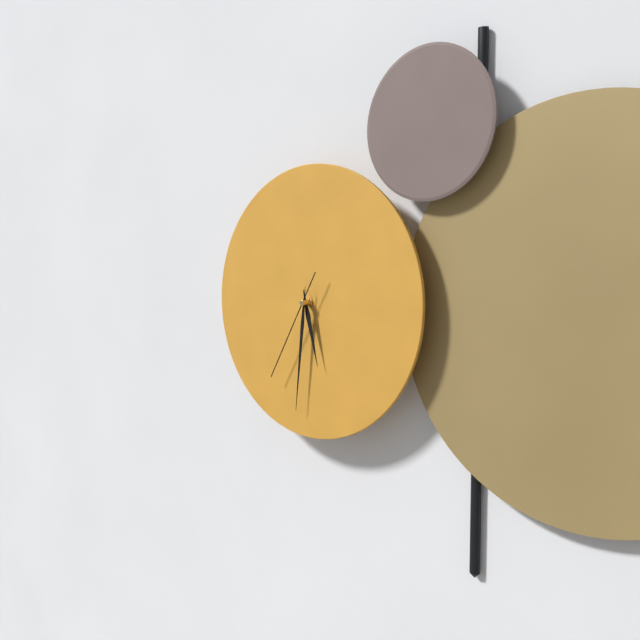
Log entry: {"hour": 5, "minute": 31, "second": 35}
